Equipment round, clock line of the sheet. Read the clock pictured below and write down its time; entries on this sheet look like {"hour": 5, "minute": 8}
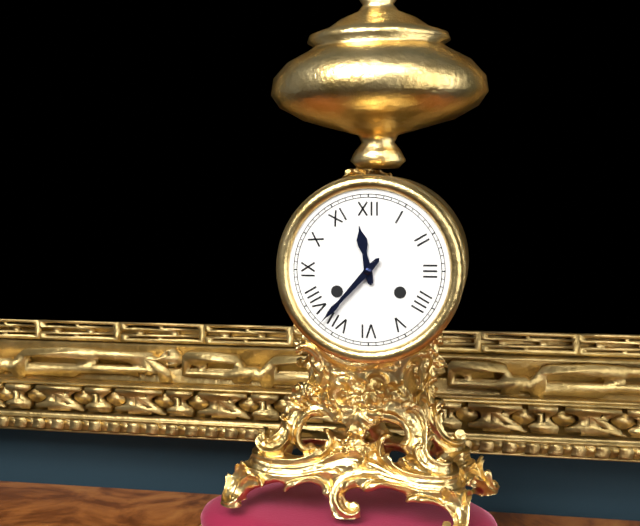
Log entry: {"hour": 11, "minute": 37}
